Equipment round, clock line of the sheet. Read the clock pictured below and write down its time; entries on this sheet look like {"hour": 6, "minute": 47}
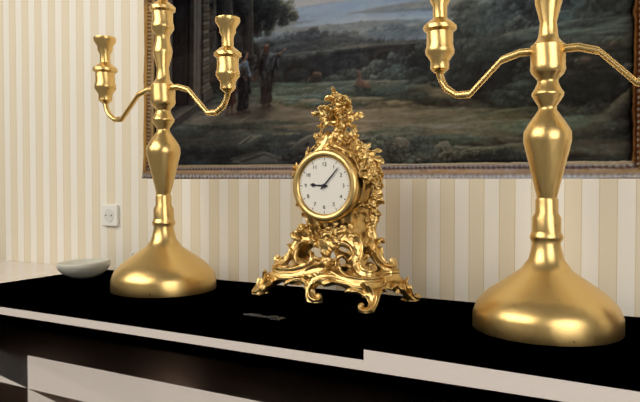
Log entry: {"hour": 9, "minute": 7}
